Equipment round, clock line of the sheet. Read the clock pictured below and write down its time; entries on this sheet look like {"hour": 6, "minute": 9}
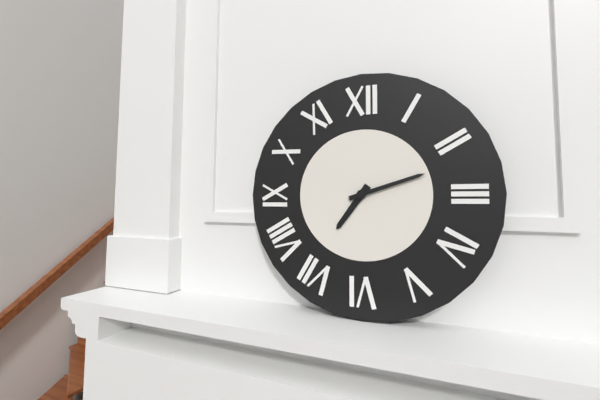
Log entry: {"hour": 7, "minute": 12}
